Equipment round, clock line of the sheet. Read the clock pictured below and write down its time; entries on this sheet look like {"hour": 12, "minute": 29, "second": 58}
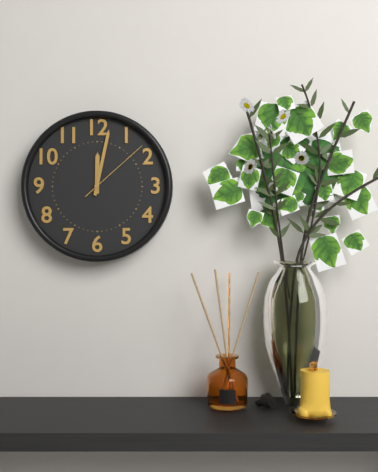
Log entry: {"hour": 12, "minute": 2, "second": 8}
